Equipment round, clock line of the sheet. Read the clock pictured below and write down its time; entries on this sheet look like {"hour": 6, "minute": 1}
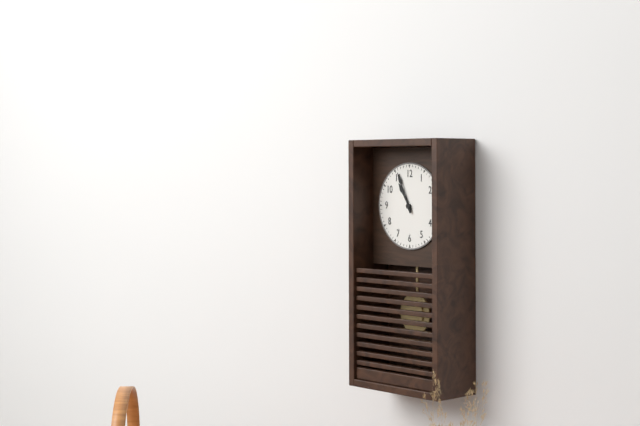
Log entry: {"hour": 10, "minute": 56}
